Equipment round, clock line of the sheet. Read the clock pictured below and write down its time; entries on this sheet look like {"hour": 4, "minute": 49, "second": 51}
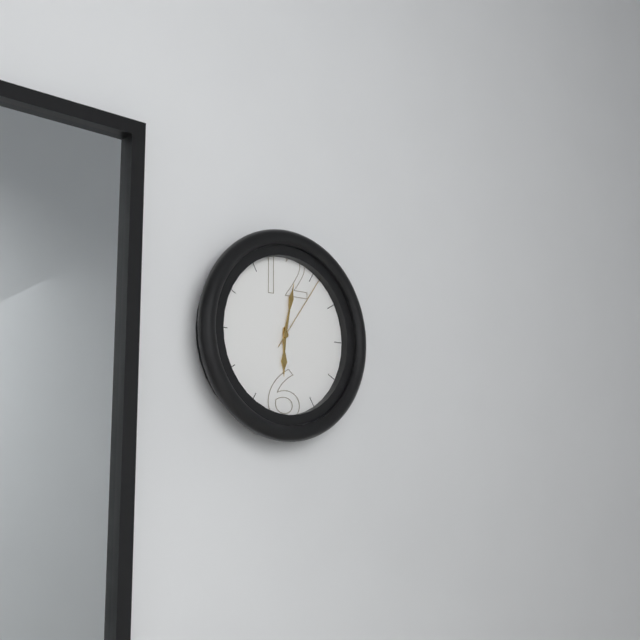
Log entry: {"hour": 6, "minute": 2, "second": 6}
